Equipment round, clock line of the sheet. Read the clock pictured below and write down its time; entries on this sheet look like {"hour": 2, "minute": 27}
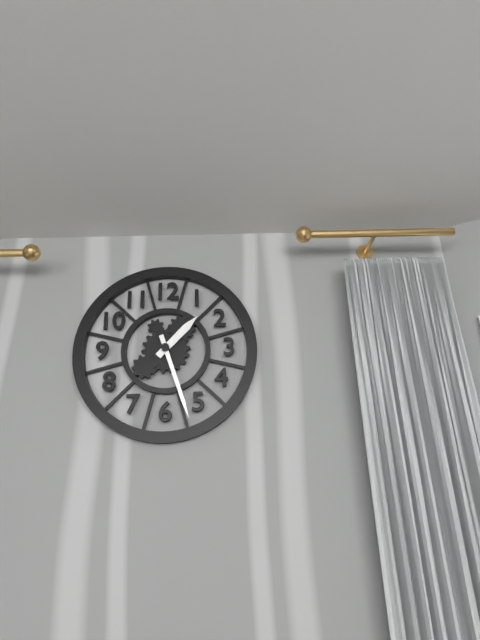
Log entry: {"hour": 1, "minute": 27}
